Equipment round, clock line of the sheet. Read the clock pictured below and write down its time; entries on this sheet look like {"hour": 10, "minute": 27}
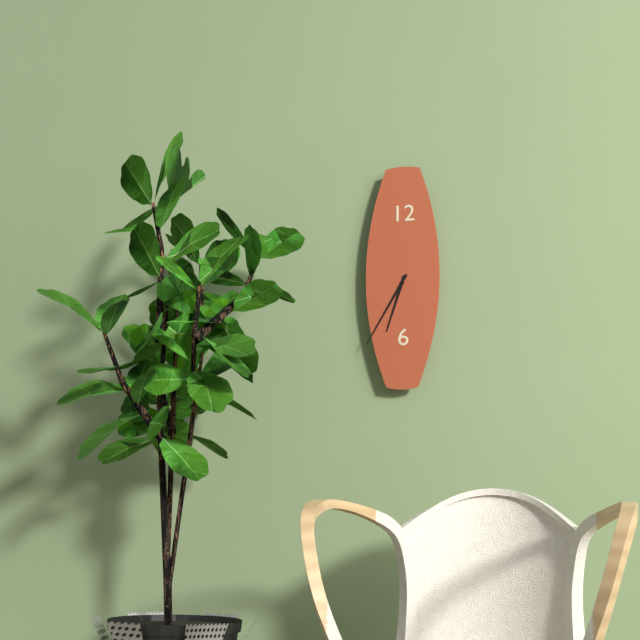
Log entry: {"hour": 6, "minute": 35}
